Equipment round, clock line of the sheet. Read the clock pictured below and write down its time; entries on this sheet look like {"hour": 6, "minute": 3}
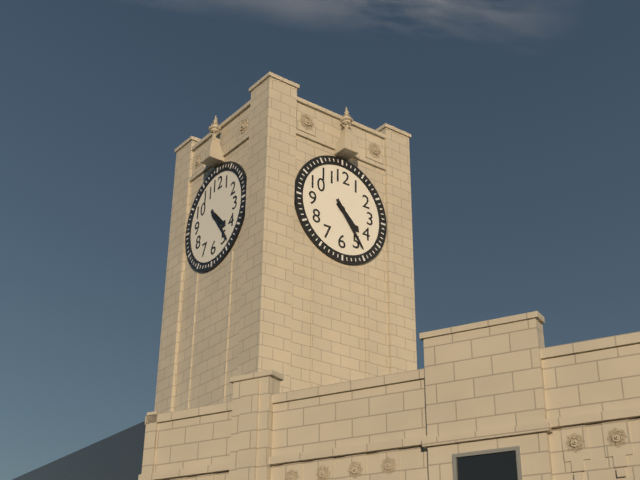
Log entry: {"hour": 4, "minute": 24}
